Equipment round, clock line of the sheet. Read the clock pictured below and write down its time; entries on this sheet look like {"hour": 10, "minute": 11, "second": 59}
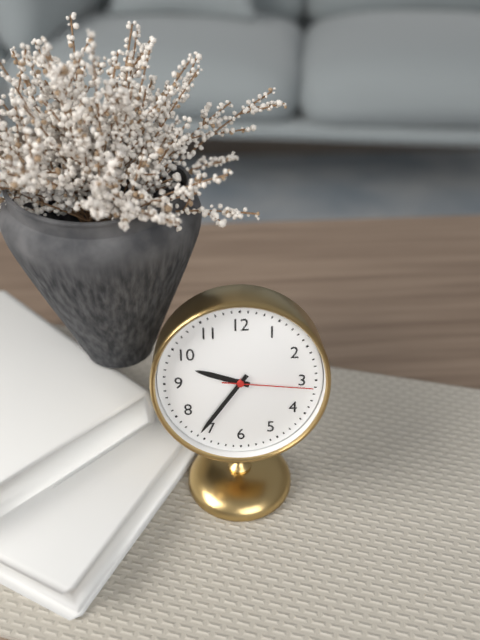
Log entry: {"hour": 9, "minute": 36, "second": 16}
